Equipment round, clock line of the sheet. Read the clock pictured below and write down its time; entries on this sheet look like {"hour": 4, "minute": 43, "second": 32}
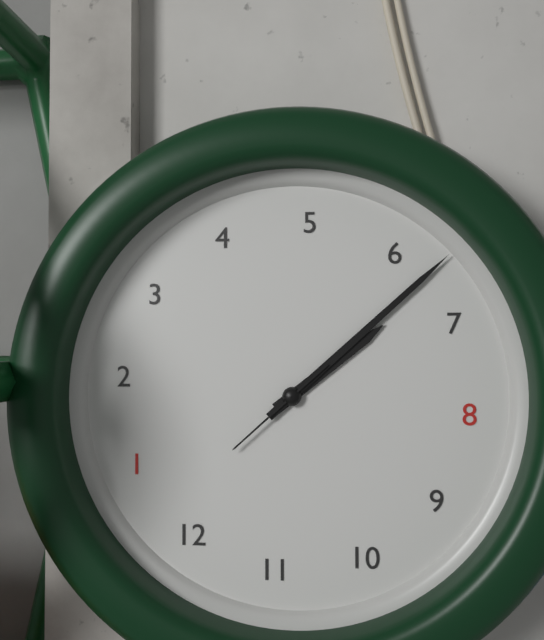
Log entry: {"hour": 6, "minute": 32, "second": 2}
